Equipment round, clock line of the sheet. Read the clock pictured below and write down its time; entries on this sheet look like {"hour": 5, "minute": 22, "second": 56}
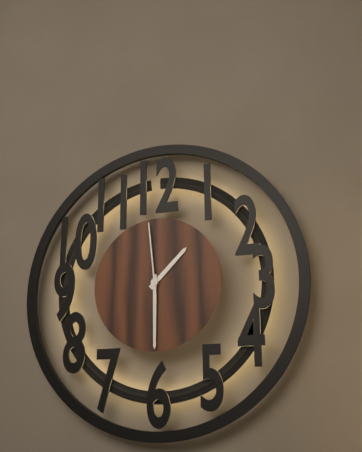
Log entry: {"hour": 1, "minute": 30, "second": 59}
